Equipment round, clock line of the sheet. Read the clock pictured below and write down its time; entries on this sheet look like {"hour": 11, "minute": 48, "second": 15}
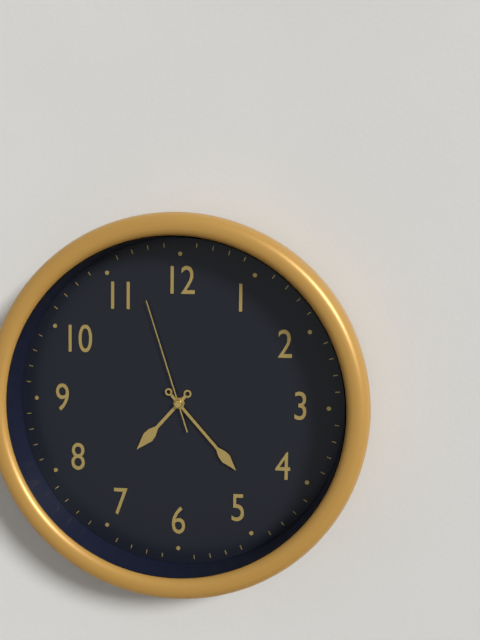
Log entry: {"hour": 7, "minute": 23, "second": 57}
